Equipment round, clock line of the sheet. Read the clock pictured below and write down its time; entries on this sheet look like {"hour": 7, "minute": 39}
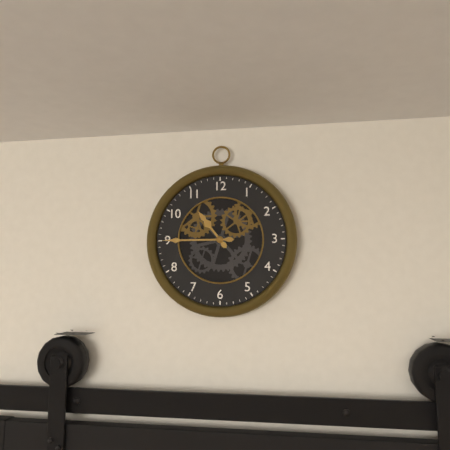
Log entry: {"hour": 10, "minute": 45}
